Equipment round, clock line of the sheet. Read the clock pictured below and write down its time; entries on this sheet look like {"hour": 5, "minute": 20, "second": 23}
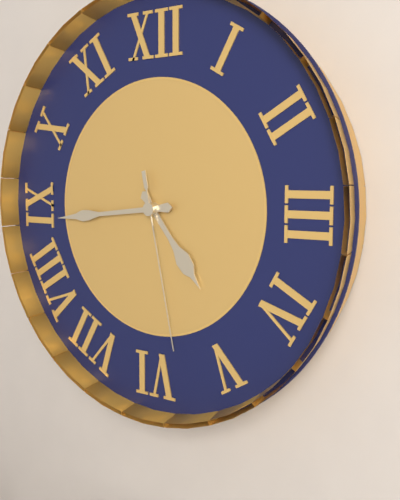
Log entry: {"hour": 4, "minute": 44, "second": 28}
